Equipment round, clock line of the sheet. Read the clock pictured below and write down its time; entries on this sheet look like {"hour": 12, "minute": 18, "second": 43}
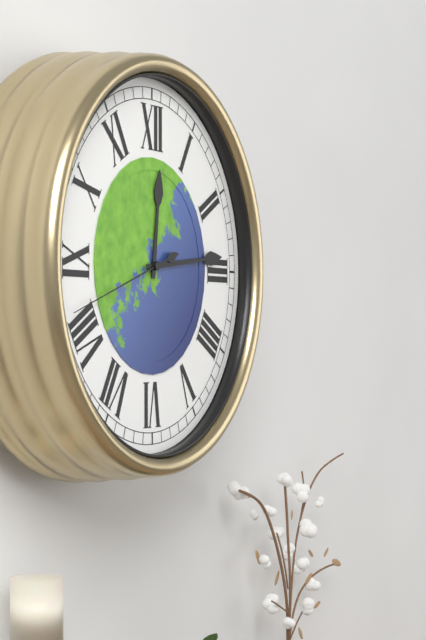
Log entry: {"hour": 12, "minute": 14, "second": 42}
